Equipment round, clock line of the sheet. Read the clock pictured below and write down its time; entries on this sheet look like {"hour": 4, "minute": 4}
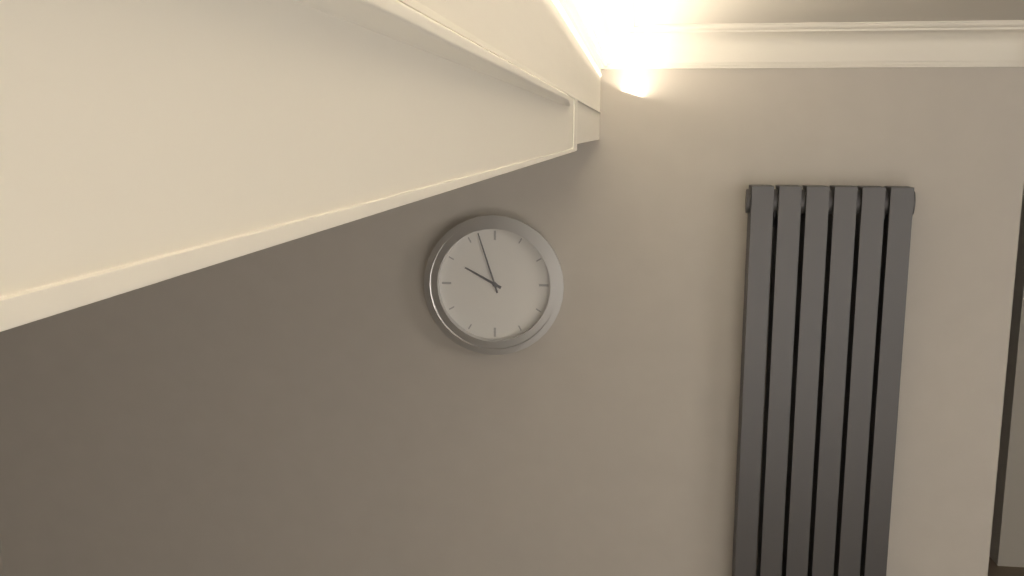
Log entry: {"hour": 9, "minute": 57}
